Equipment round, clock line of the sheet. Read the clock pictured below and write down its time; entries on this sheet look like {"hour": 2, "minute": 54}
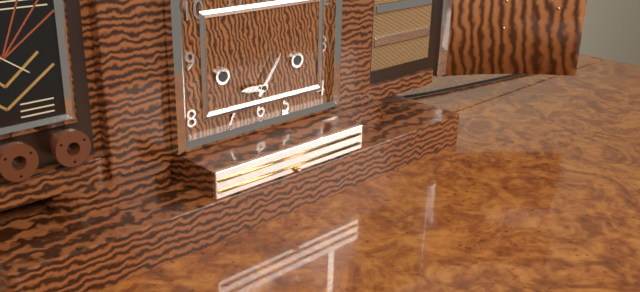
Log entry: {"hour": 9, "minute": 6}
